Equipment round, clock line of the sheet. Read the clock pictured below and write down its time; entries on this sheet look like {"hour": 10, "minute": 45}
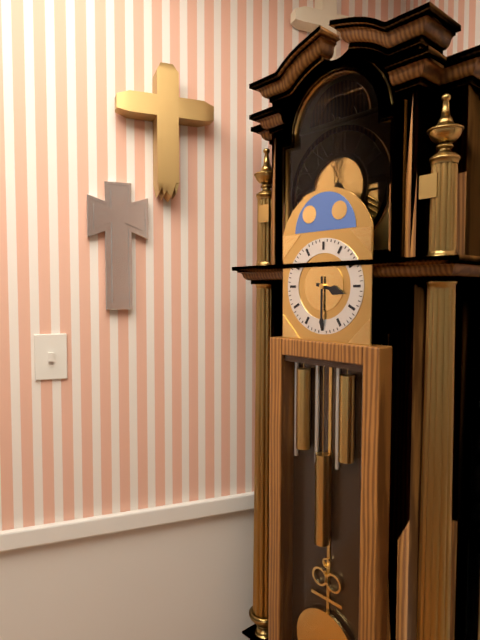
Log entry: {"hour": 3, "minute": 30}
